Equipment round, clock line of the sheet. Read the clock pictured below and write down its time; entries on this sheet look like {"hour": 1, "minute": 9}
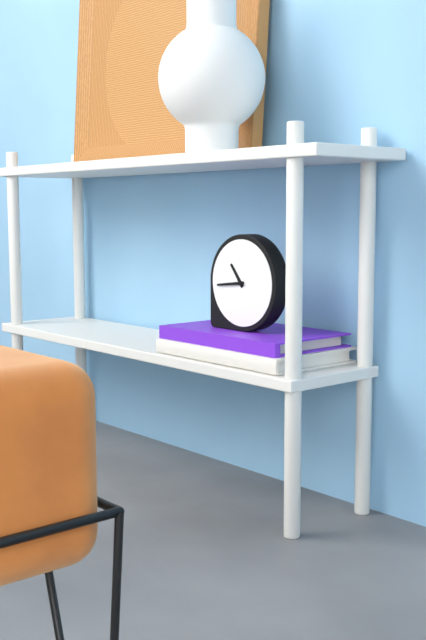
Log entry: {"hour": 10, "minute": 44}
